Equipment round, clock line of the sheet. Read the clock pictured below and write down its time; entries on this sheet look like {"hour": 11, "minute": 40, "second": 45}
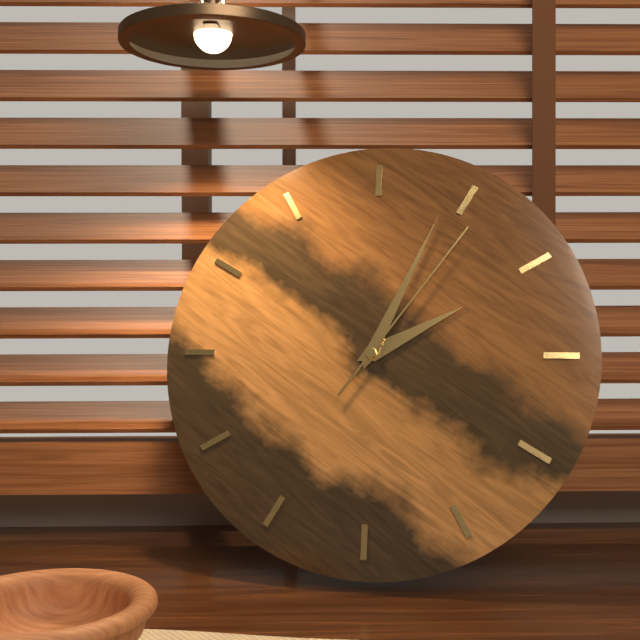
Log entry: {"hour": 2, "minute": 4, "second": 6}
